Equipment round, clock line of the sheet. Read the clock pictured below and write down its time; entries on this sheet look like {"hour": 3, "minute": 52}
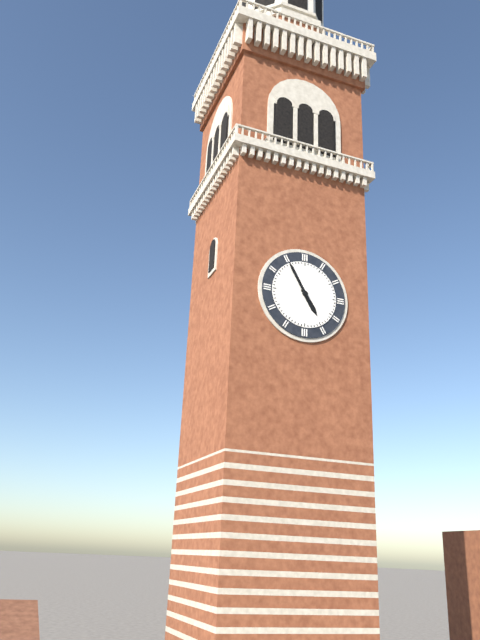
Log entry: {"hour": 4, "minute": 55}
